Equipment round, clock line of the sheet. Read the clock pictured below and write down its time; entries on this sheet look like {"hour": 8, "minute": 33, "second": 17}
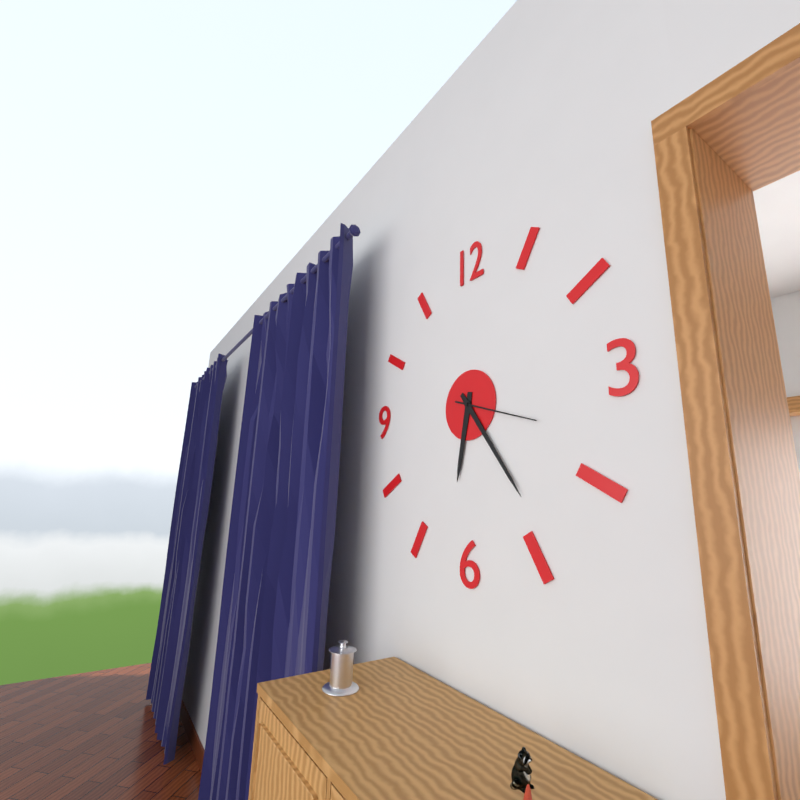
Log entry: {"hour": 6, "minute": 24, "second": 18}
